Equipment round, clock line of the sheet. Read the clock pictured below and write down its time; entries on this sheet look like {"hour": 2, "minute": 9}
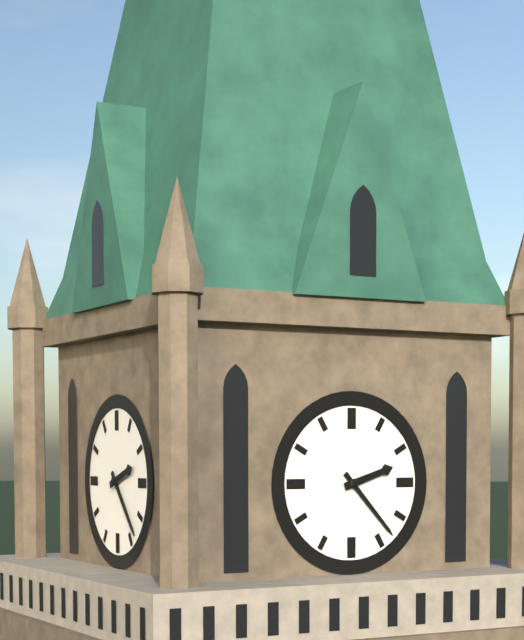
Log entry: {"hour": 2, "minute": 23}
